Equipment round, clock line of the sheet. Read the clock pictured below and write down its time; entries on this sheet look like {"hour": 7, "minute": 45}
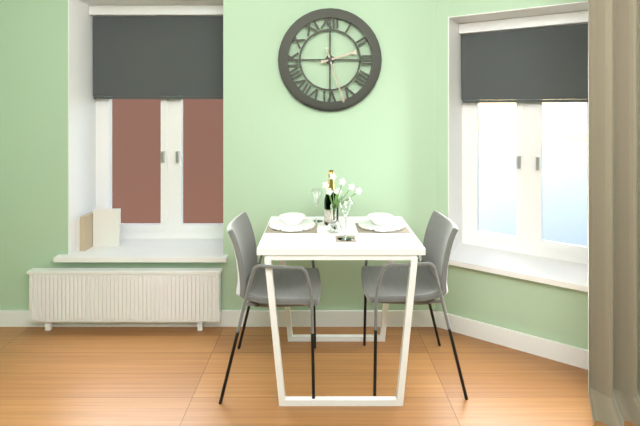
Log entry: {"hour": 2, "minute": 27}
